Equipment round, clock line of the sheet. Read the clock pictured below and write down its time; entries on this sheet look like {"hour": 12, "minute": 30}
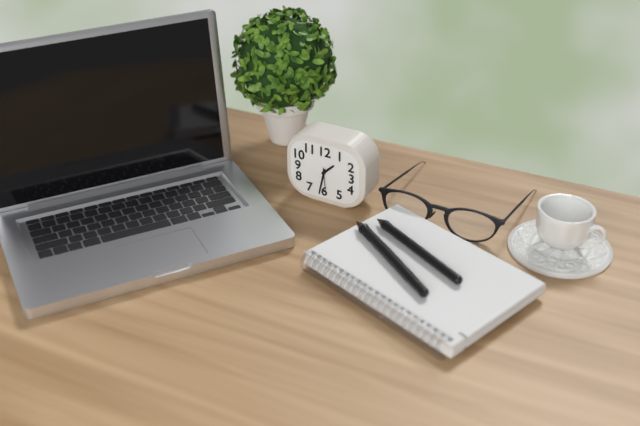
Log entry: {"hour": 1, "minute": 32}
